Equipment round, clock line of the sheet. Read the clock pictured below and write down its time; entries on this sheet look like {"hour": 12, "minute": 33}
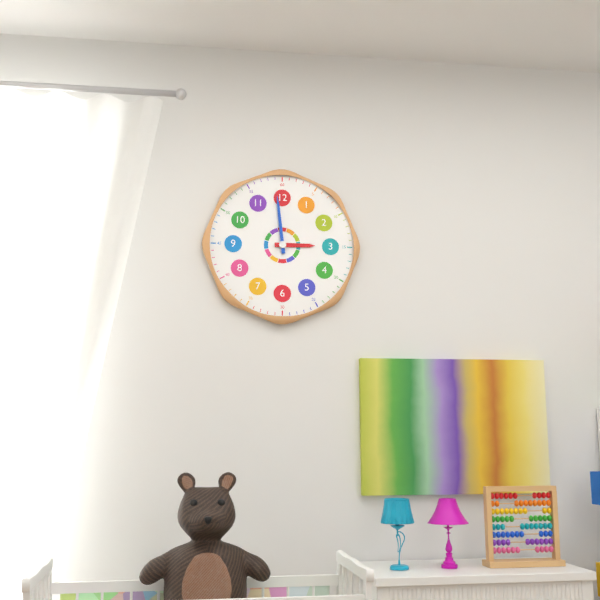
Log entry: {"hour": 2, "minute": 59}
